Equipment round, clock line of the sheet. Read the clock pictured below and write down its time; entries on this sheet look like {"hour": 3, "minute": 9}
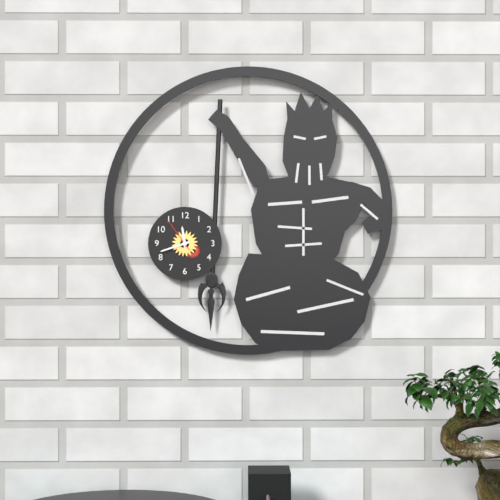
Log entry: {"hour": 11, "minute": 42}
